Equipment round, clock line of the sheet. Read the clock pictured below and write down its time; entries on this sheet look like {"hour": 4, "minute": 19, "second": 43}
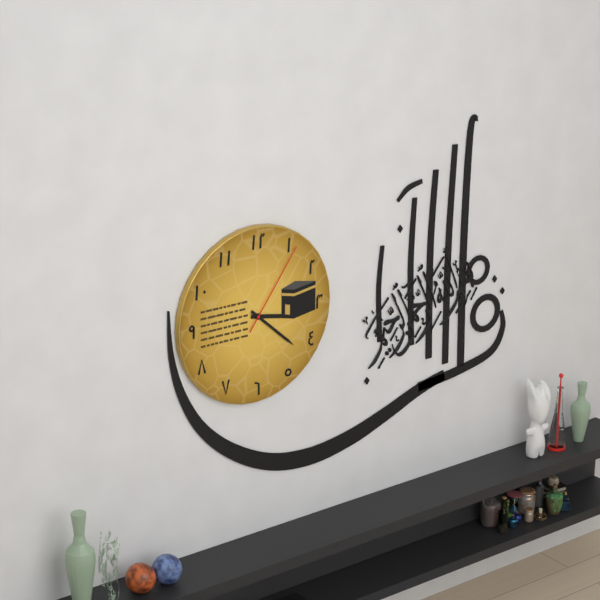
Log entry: {"hour": 3, "minute": 22, "second": 6}
